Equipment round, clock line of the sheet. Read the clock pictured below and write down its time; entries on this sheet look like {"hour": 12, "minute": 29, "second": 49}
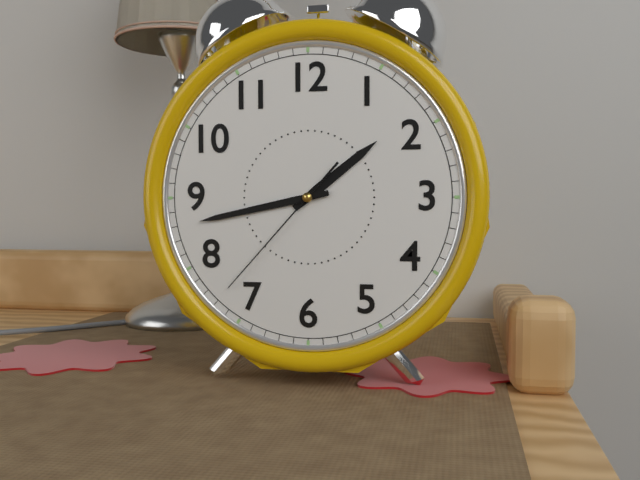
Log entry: {"hour": 1, "minute": 43, "second": 37}
